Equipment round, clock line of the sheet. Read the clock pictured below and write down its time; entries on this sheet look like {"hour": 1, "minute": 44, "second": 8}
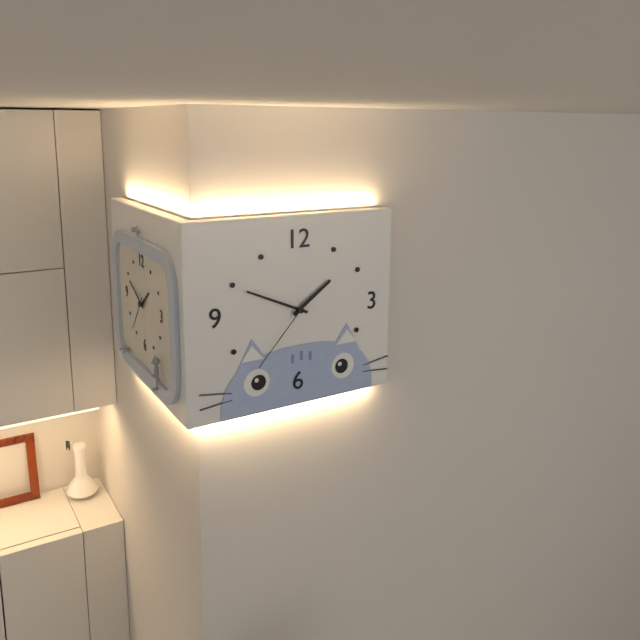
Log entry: {"hour": 1, "minute": 49, "second": 37}
